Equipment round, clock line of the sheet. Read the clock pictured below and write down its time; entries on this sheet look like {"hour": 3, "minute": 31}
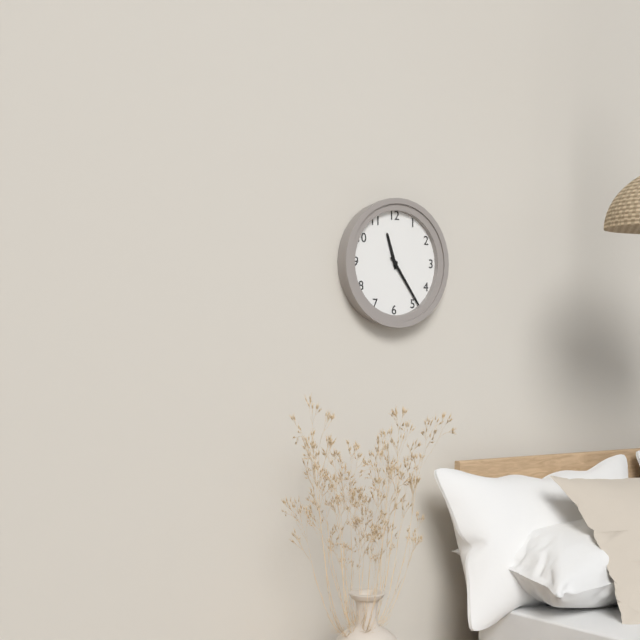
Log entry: {"hour": 11, "minute": 24}
